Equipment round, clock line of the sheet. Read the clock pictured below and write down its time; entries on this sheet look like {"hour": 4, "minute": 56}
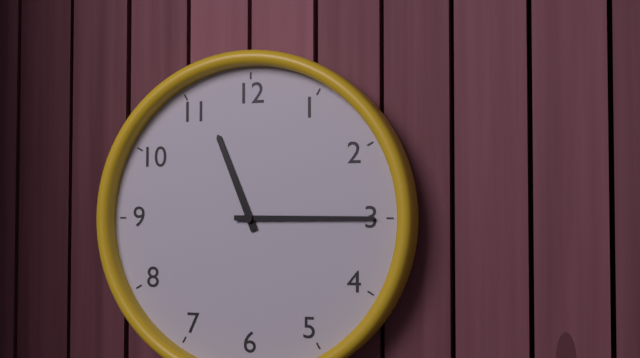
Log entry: {"hour": 11, "minute": 15}
